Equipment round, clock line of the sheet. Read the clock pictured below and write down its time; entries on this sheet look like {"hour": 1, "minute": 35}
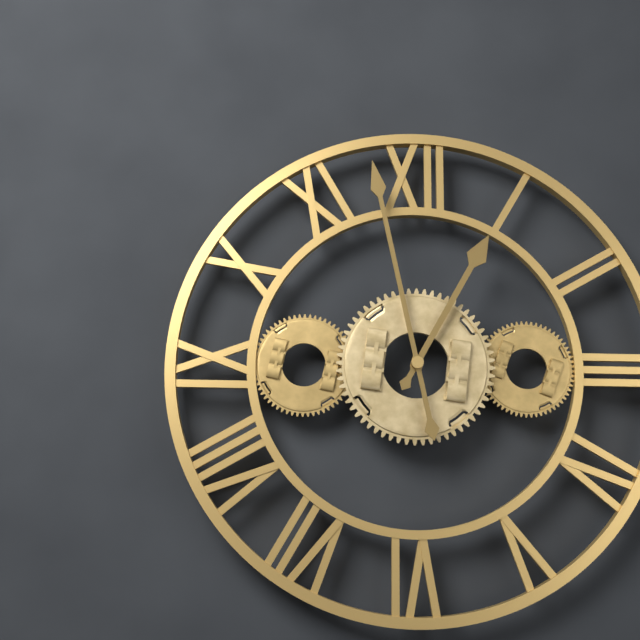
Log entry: {"hour": 12, "minute": 58}
